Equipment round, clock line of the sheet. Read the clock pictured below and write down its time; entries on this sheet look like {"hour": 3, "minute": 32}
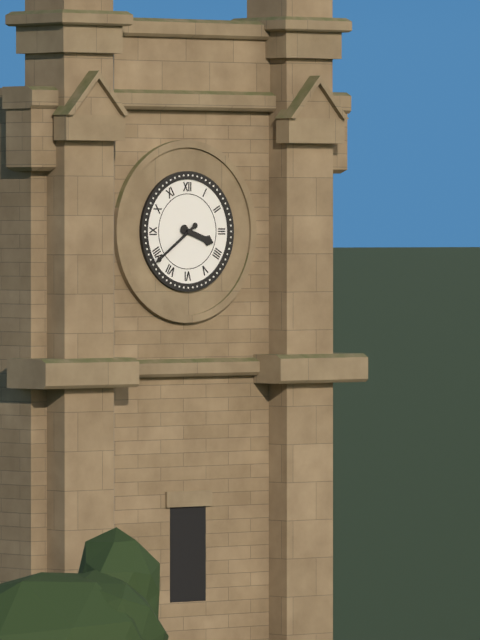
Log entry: {"hour": 3, "minute": 39}
